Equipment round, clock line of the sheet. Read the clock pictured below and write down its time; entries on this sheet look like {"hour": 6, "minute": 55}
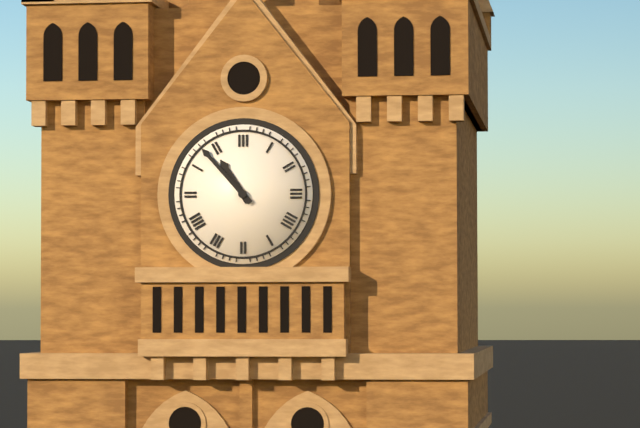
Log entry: {"hour": 10, "minute": 53}
